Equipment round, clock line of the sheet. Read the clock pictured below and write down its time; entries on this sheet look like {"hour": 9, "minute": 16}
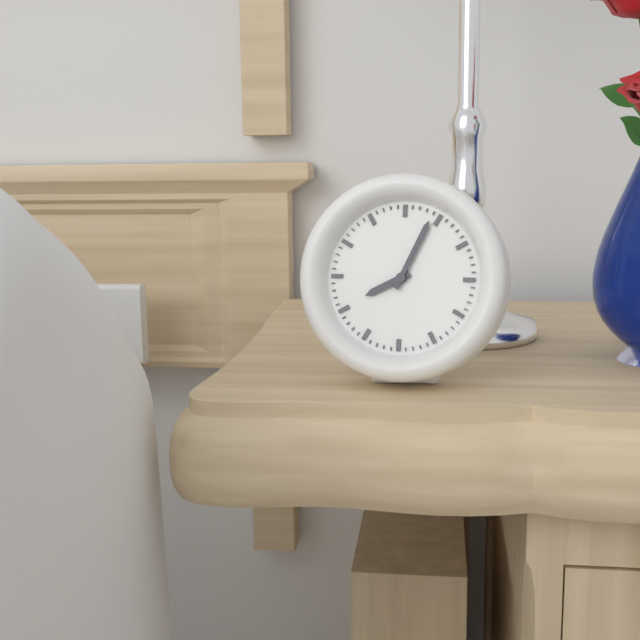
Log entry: {"hour": 8, "minute": 4}
